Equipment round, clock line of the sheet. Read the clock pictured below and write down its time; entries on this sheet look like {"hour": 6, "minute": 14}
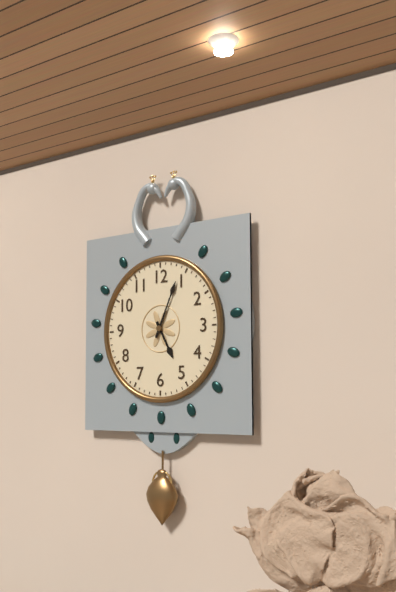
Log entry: {"hour": 5, "minute": 4}
